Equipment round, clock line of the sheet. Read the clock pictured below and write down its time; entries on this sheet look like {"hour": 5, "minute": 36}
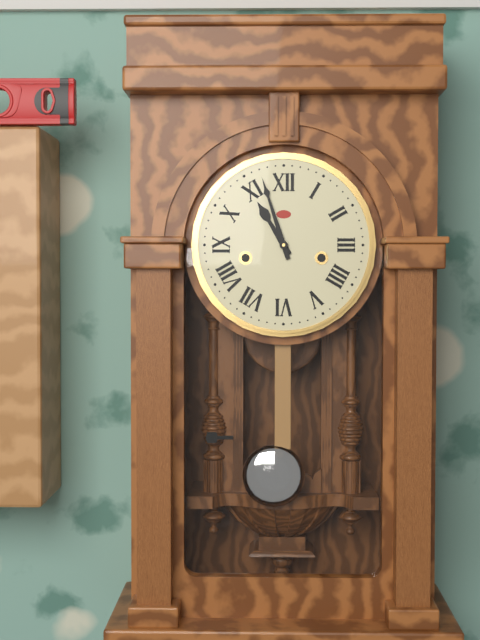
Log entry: {"hour": 10, "minute": 57}
